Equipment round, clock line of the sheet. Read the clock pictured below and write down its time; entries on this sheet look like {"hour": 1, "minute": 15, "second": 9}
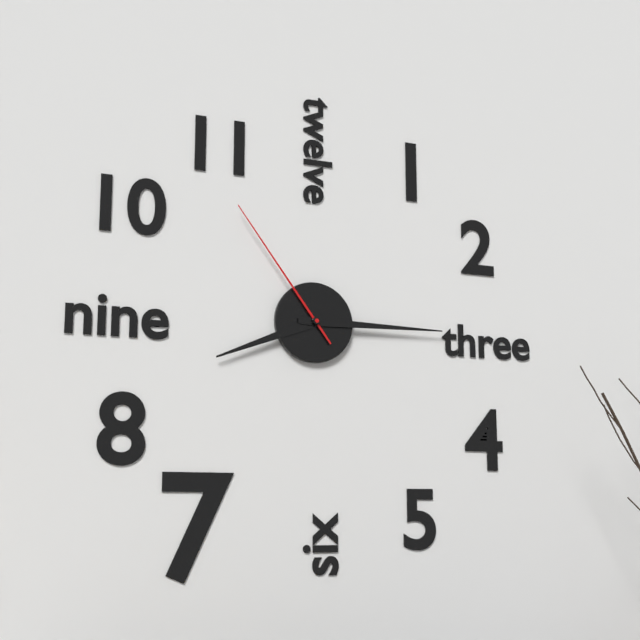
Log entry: {"hour": 8, "minute": 15, "second": 54}
